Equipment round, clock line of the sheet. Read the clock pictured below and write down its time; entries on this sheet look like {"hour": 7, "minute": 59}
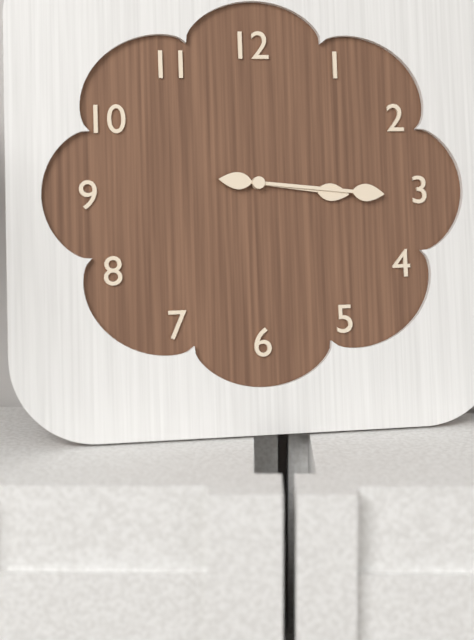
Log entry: {"hour": 3, "minute": 16}
